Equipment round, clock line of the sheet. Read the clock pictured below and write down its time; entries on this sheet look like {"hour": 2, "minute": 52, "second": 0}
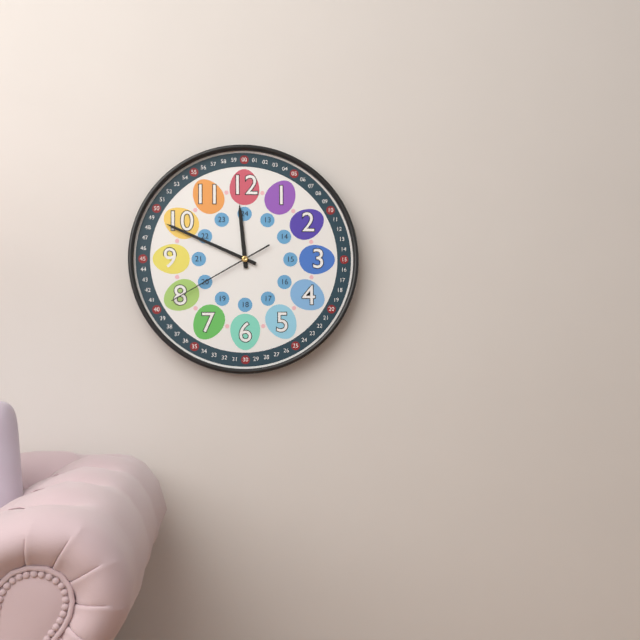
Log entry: {"hour": 11, "minute": 49, "second": 40}
